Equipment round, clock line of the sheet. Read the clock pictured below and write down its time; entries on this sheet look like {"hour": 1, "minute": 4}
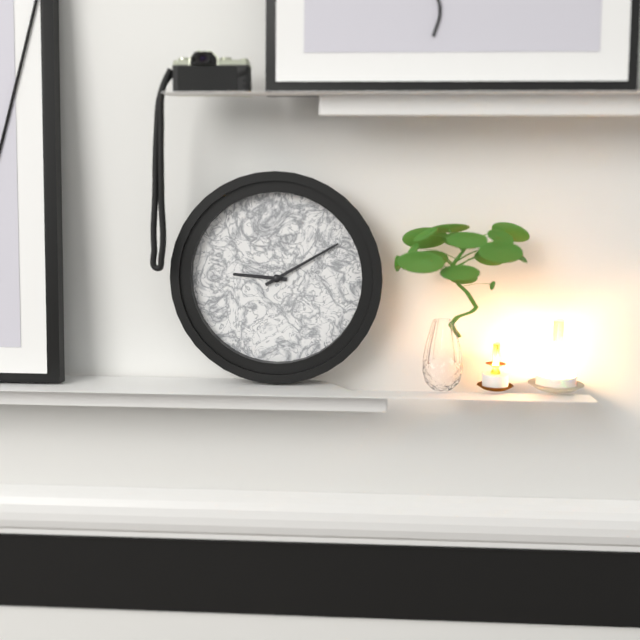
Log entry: {"hour": 9, "minute": 10}
